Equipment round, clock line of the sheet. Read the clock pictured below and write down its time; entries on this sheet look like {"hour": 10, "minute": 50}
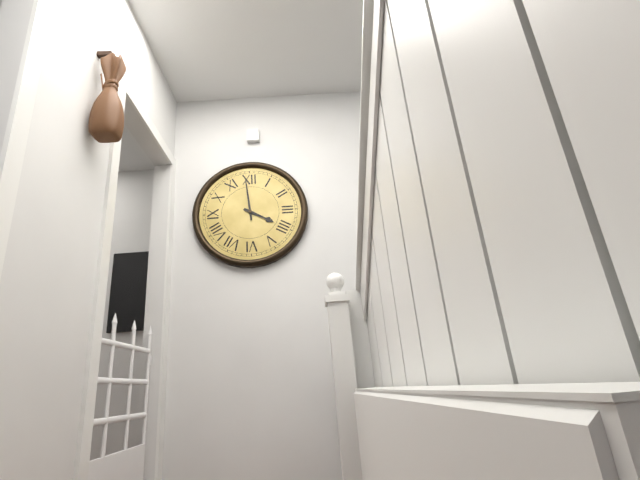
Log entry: {"hour": 3, "minute": 59}
